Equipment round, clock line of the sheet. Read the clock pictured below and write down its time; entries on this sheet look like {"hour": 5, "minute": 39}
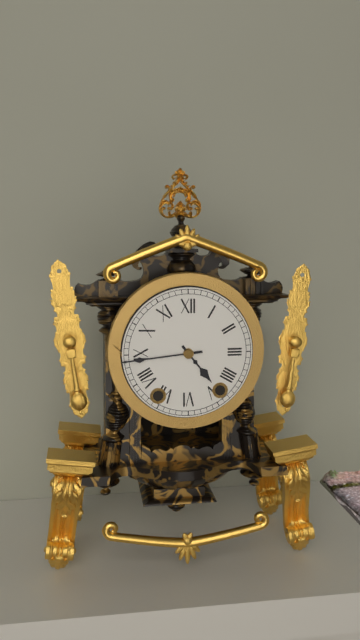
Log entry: {"hour": 4, "minute": 44}
